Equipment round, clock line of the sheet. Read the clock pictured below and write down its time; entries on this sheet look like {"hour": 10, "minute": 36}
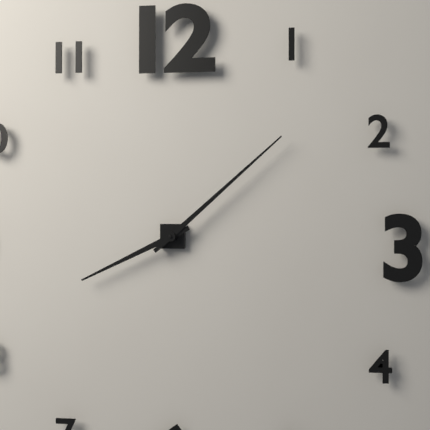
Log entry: {"hour": 8, "minute": 8}
